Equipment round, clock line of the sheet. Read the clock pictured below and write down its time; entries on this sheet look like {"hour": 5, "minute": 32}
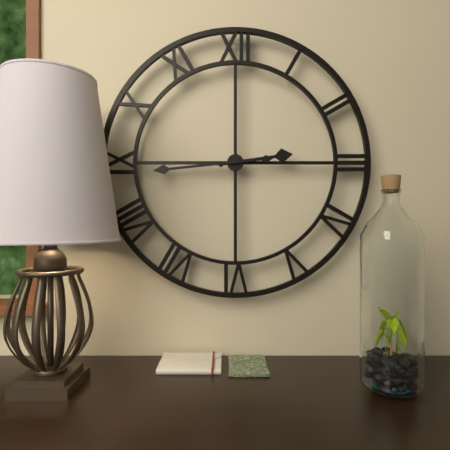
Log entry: {"hour": 2, "minute": 44}
